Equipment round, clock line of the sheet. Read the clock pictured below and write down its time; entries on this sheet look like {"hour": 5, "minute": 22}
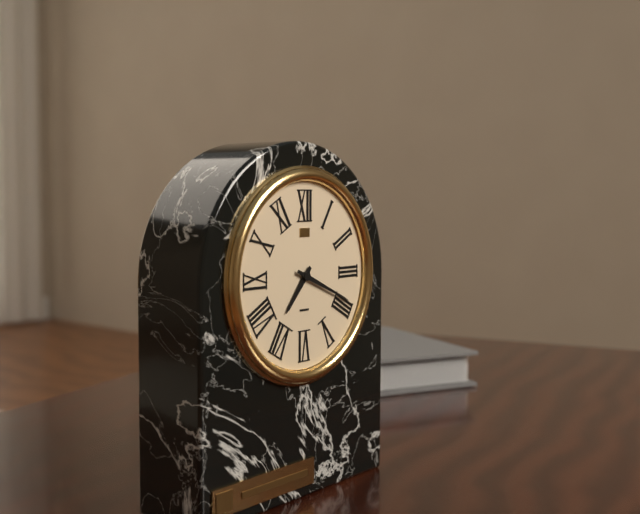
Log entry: {"hour": 7, "minute": 19}
